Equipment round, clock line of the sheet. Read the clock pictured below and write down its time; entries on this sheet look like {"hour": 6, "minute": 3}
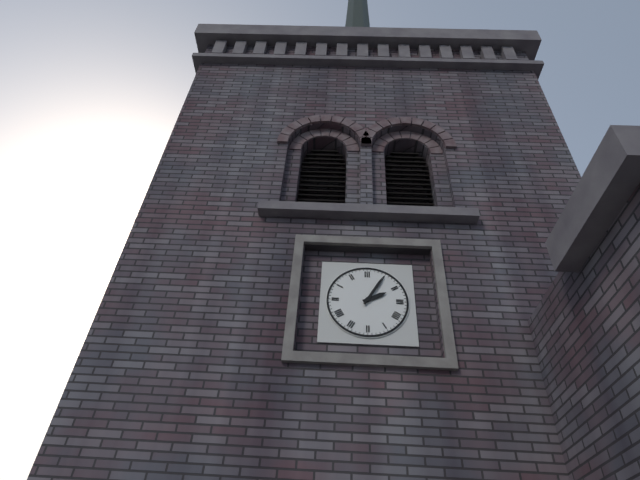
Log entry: {"hour": 2, "minute": 5}
